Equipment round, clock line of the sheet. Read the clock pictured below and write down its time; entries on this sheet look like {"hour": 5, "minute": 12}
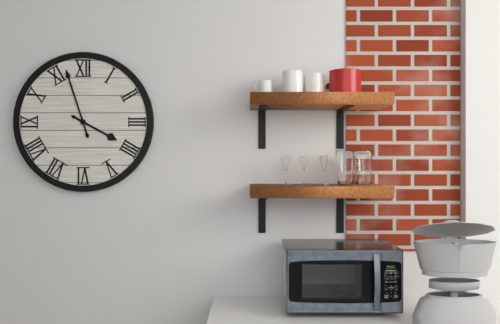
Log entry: {"hour": 3, "minute": 57}
